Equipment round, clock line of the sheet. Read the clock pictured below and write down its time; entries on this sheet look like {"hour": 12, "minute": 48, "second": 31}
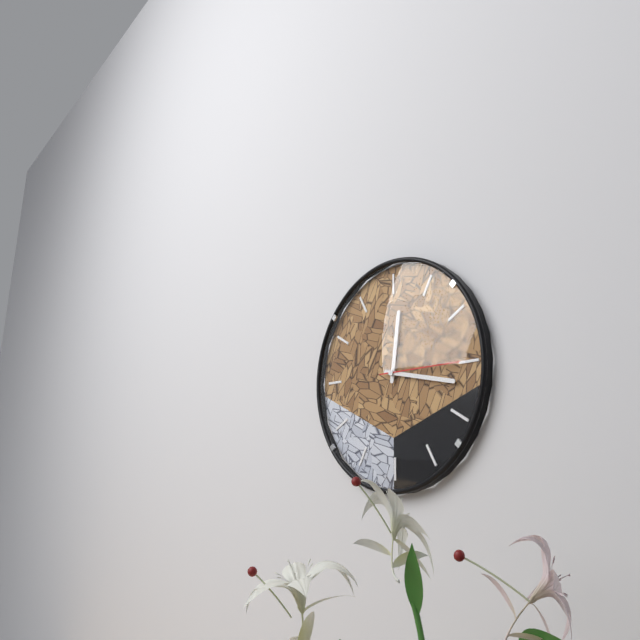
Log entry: {"hour": 12, "minute": 17, "second": 15}
